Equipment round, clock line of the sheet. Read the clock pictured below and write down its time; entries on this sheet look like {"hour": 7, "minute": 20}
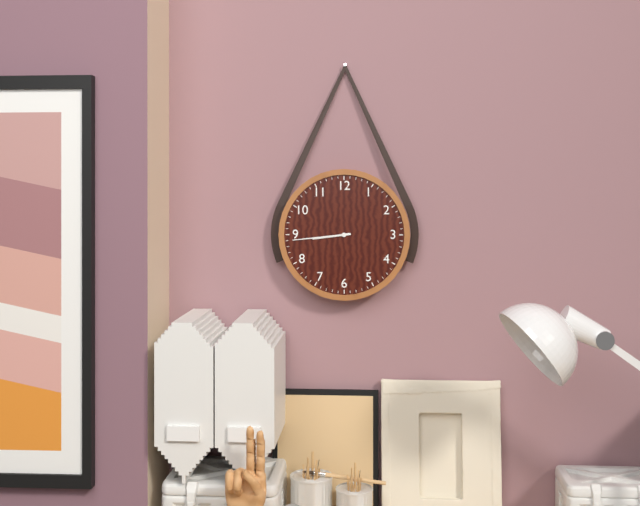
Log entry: {"hour": 8, "minute": 44}
